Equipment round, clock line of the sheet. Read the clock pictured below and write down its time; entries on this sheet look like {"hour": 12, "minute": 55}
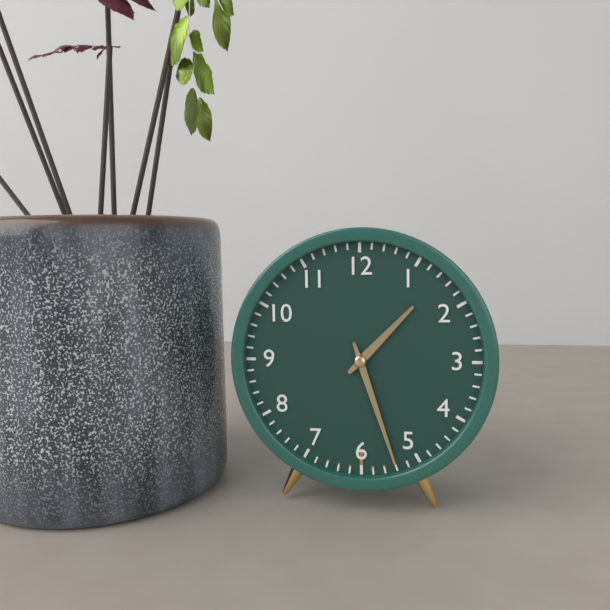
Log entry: {"hour": 1, "minute": 27}
